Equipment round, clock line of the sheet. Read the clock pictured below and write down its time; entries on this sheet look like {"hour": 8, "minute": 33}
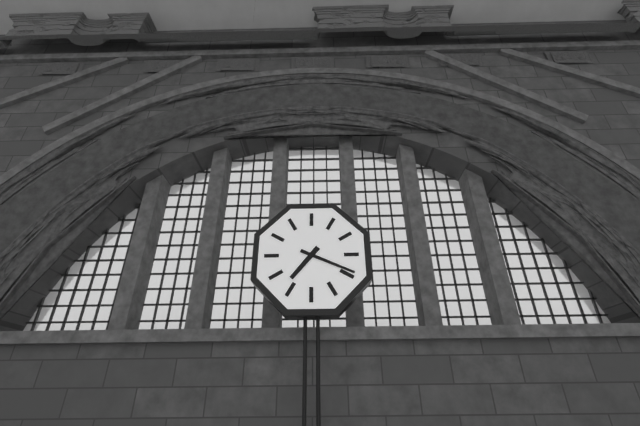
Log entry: {"hour": 7, "minute": 19}
